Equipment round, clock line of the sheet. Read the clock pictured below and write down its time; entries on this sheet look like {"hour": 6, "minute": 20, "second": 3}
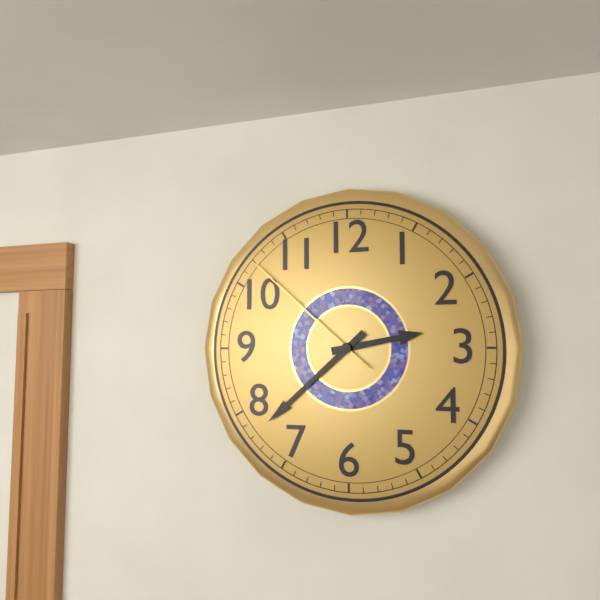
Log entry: {"hour": 2, "minute": 38, "second": 52}
